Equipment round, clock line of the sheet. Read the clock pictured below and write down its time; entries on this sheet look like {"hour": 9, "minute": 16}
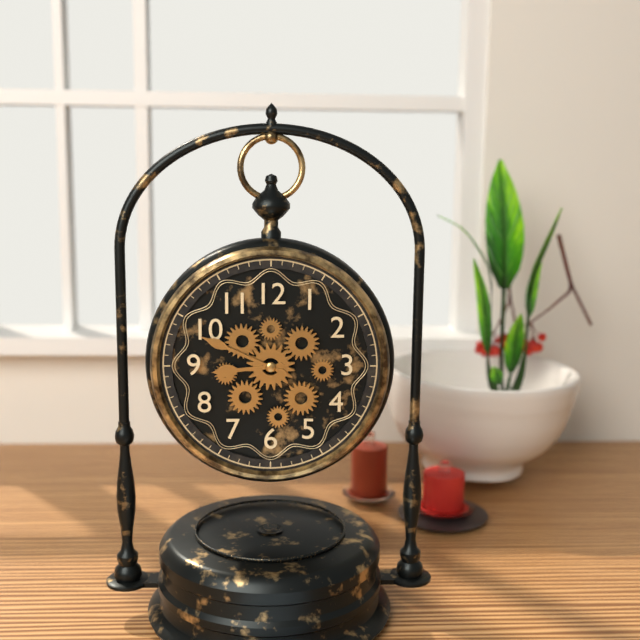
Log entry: {"hour": 8, "minute": 49}
